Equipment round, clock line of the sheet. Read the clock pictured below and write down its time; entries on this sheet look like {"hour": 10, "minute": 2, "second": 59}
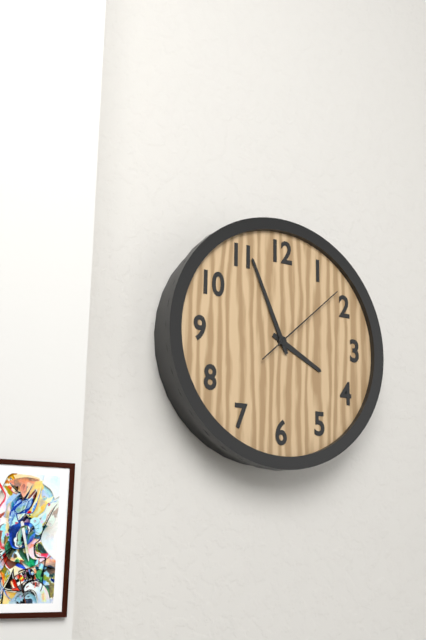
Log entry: {"hour": 3, "minute": 56, "second": 8}
